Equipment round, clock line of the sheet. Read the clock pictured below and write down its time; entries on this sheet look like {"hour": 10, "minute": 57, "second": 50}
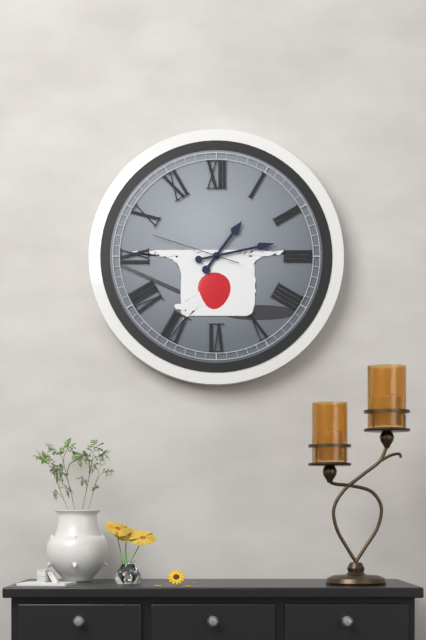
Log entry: {"hour": 1, "minute": 13, "second": 48}
